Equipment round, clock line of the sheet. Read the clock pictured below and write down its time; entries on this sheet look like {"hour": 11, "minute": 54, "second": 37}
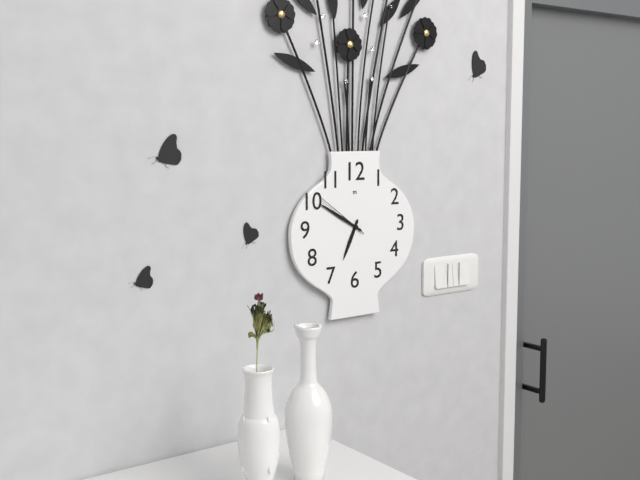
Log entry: {"hour": 6, "minute": 50, "second": 51}
